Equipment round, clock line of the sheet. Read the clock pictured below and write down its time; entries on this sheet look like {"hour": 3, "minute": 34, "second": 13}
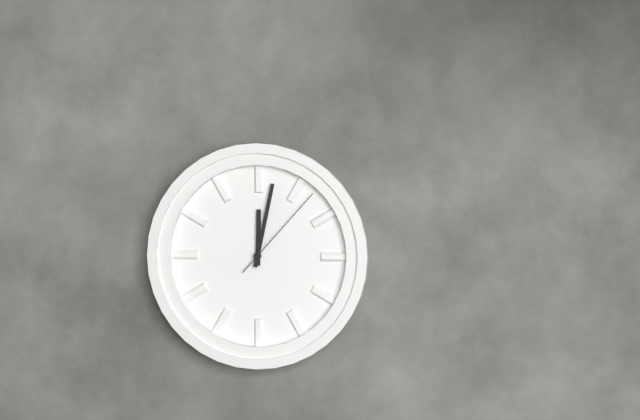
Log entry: {"hour": 12, "minute": 2, "second": 7}
